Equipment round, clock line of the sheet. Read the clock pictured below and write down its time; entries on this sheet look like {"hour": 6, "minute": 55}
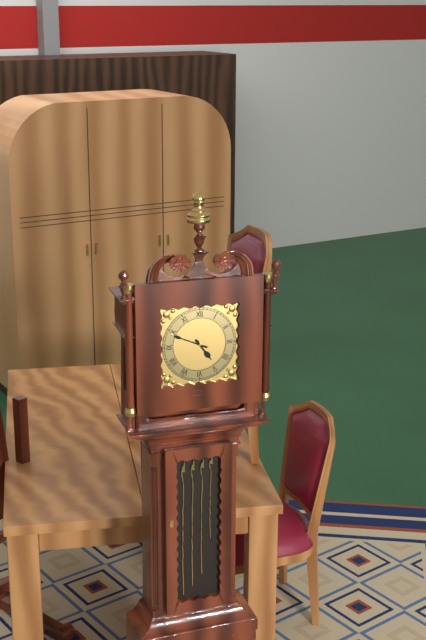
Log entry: {"hour": 4, "minute": 49}
